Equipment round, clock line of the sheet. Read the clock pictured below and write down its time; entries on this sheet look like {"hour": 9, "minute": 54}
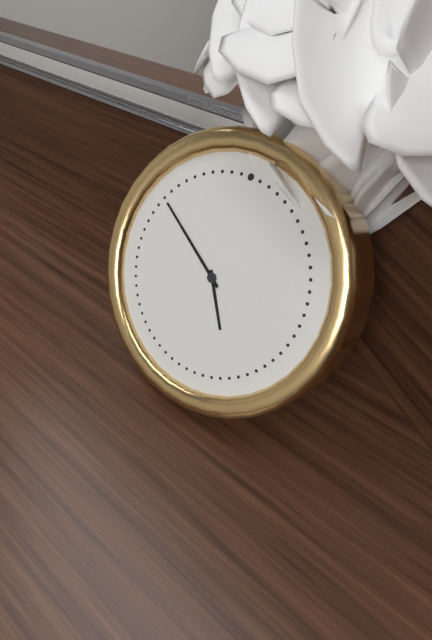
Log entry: {"hour": 4, "minute": 50}
